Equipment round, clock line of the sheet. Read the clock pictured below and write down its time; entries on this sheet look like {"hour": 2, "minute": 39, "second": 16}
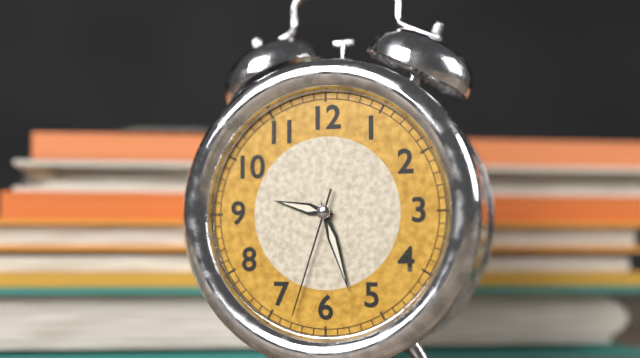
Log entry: {"hour": 9, "minute": 27, "second": 33}
